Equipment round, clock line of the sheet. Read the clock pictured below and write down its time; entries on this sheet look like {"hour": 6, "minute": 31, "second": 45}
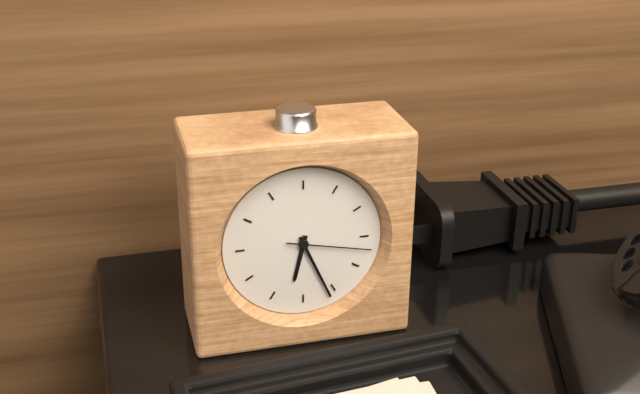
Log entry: {"hour": 6, "minute": 26, "second": 17}
